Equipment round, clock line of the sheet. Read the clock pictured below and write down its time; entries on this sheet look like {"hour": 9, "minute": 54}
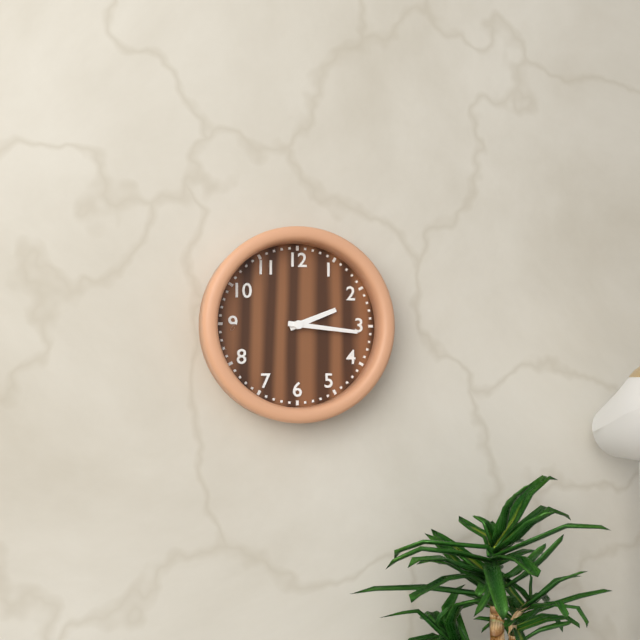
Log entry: {"hour": 2, "minute": 16}
